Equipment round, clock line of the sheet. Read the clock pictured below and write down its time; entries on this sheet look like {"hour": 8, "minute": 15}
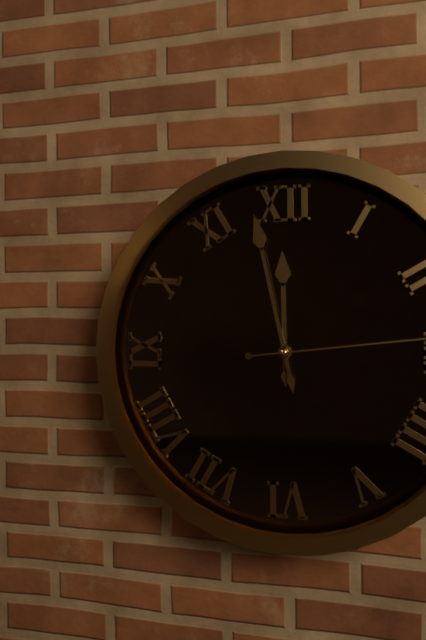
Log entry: {"hour": 11, "minute": 58}
